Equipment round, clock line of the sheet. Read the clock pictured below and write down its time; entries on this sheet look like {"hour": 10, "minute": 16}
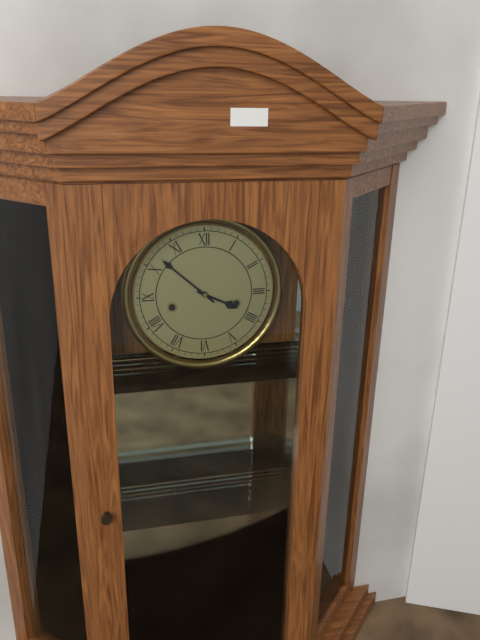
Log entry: {"hour": 3, "minute": 52}
